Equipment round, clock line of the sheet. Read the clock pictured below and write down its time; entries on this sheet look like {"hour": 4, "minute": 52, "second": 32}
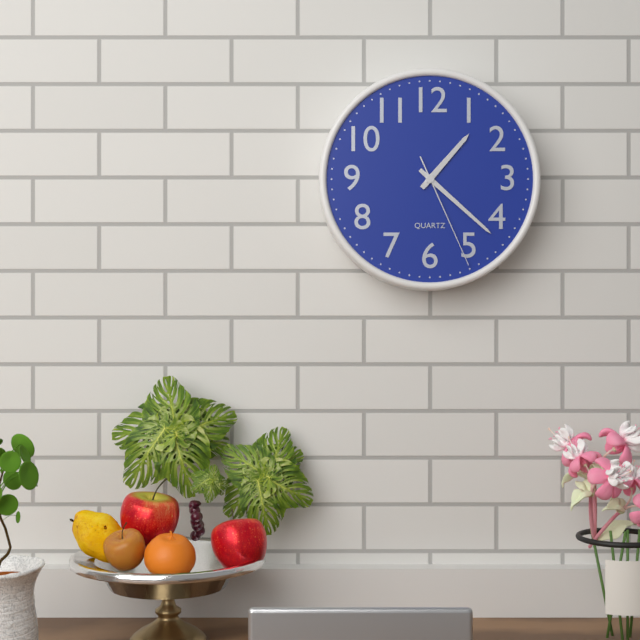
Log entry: {"hour": 1, "minute": 22, "second": 26}
